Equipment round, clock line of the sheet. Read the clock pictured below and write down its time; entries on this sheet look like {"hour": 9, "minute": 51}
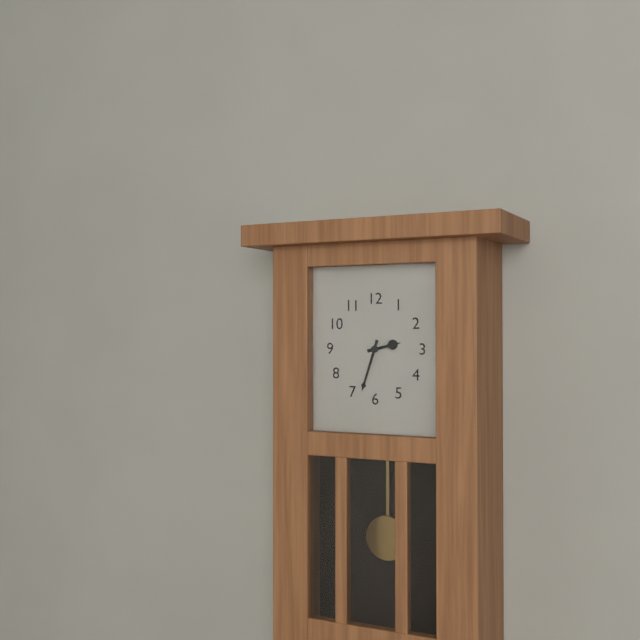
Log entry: {"hour": 2, "minute": 33}
